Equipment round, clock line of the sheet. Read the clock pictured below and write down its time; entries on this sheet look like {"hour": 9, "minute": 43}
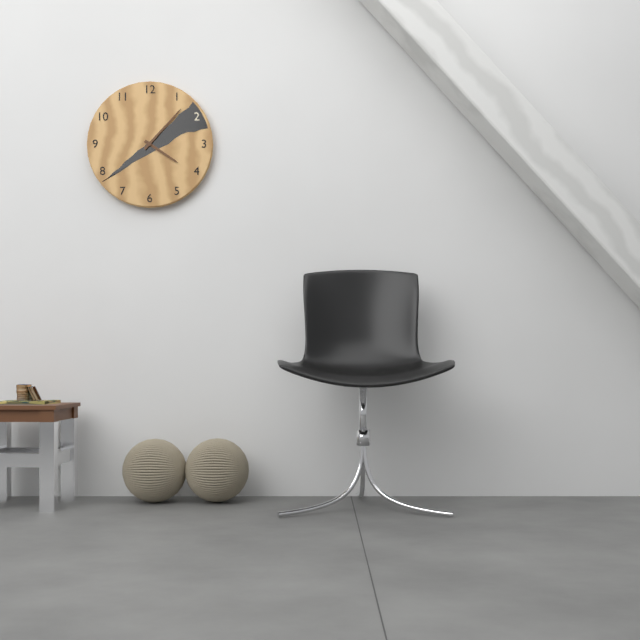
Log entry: {"hour": 4, "minute": 7}
